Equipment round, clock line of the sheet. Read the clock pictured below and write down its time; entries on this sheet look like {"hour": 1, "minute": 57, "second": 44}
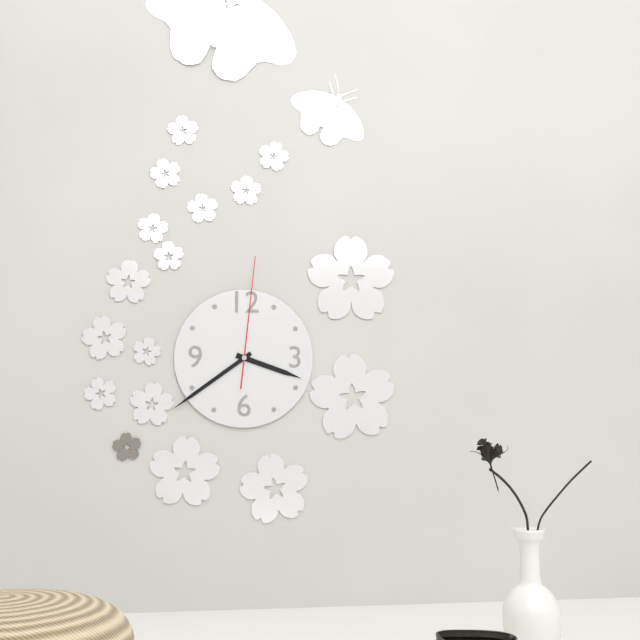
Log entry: {"hour": 3, "minute": 39, "second": 1}
